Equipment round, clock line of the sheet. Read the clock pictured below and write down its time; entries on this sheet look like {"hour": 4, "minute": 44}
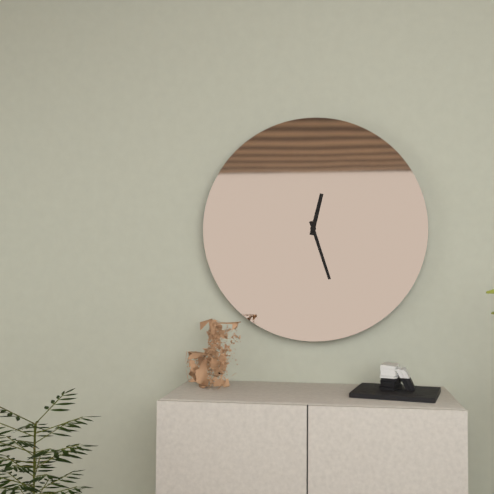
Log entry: {"hour": 12, "minute": 27}
